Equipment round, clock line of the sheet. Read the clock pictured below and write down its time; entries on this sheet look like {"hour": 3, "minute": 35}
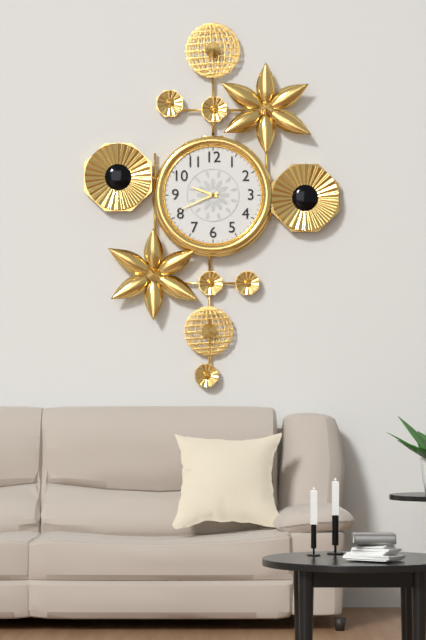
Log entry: {"hour": 9, "minute": 41}
